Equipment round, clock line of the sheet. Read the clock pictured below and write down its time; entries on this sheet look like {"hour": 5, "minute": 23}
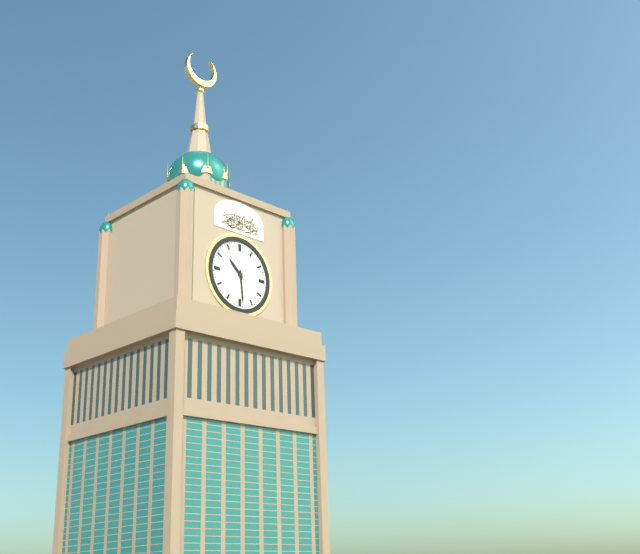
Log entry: {"hour": 10, "minute": 29}
